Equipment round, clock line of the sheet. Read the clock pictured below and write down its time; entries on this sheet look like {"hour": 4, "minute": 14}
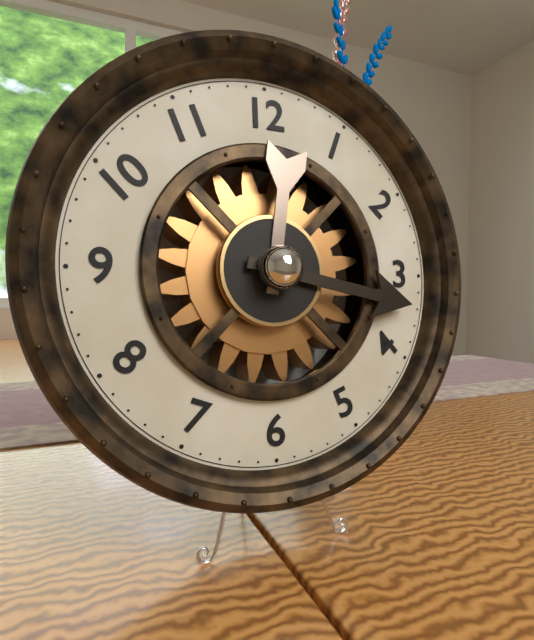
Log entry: {"hour": 12, "minute": 17}
